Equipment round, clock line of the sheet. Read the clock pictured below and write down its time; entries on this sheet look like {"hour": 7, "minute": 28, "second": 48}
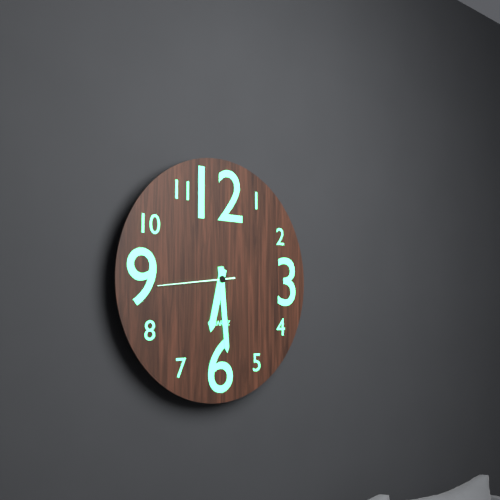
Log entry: {"hour": 6, "minute": 29, "second": 44}
